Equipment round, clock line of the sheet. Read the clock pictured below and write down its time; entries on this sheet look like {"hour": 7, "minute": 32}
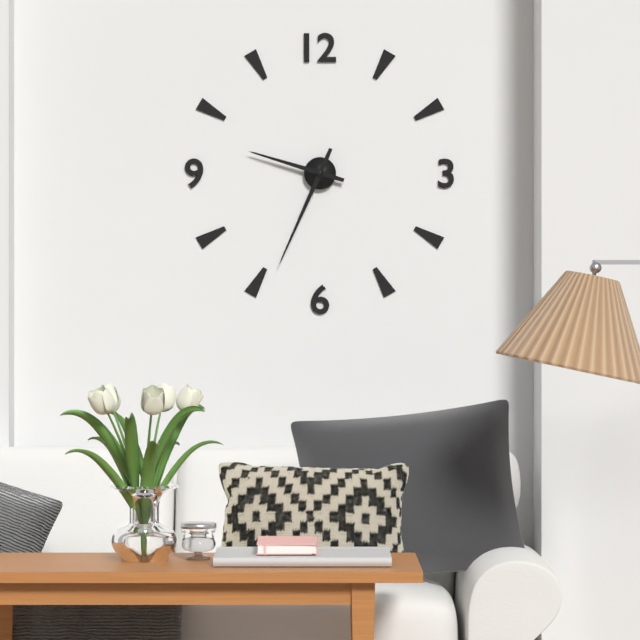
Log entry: {"hour": 9, "minute": 34}
